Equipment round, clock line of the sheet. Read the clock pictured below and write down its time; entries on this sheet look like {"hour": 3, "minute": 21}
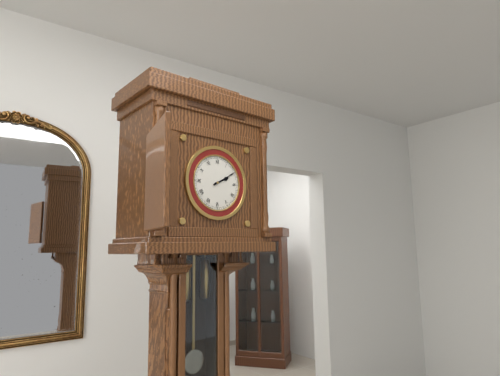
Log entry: {"hour": 2, "minute": 10}
